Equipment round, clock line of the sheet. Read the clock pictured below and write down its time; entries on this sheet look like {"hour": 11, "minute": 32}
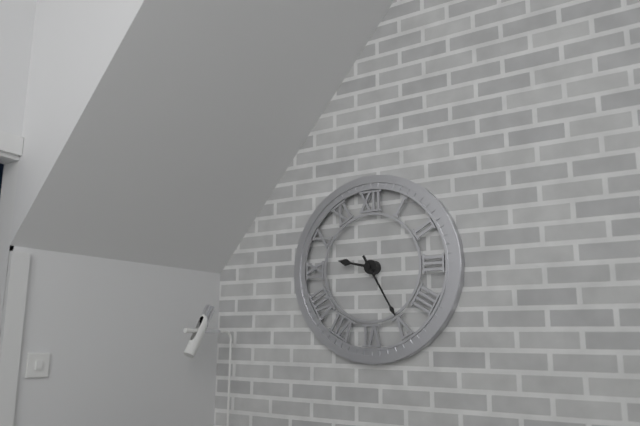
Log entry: {"hour": 9, "minute": 25}
